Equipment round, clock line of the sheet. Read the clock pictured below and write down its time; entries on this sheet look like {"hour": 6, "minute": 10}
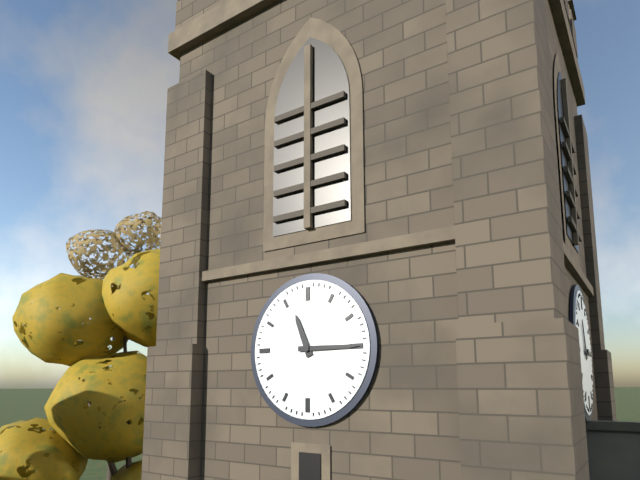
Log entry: {"hour": 11, "minute": 15}
